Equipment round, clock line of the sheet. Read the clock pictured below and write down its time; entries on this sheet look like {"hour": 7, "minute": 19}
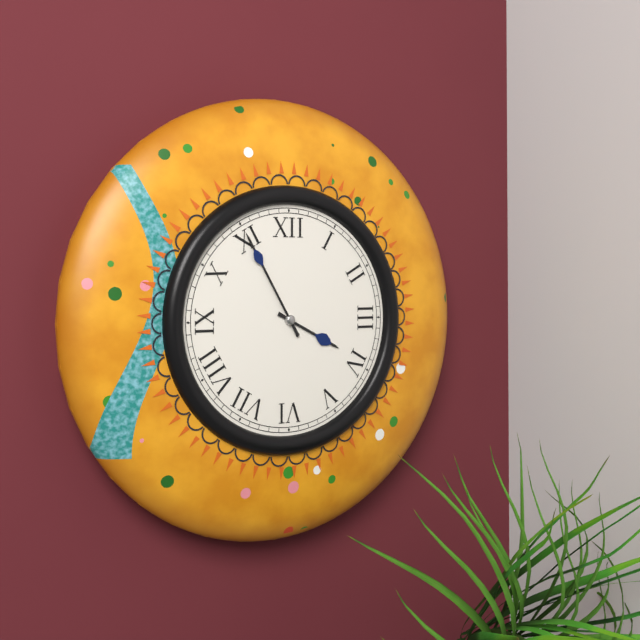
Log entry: {"hour": 3, "minute": 55}
